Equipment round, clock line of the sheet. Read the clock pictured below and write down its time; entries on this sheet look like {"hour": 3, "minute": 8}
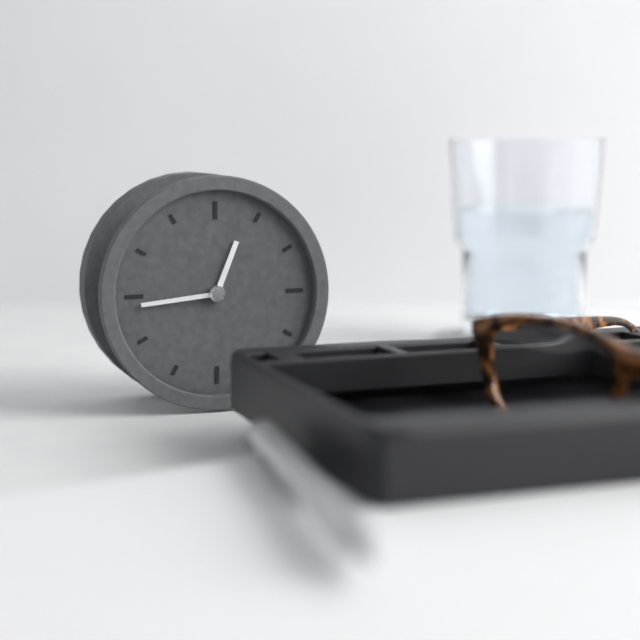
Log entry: {"hour": 12, "minute": 44}
